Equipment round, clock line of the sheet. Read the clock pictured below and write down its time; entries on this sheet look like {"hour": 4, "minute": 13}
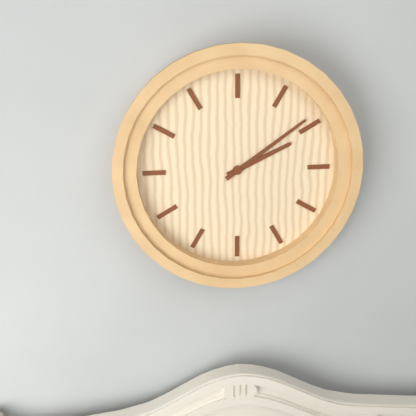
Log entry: {"hour": 2, "minute": 9}
